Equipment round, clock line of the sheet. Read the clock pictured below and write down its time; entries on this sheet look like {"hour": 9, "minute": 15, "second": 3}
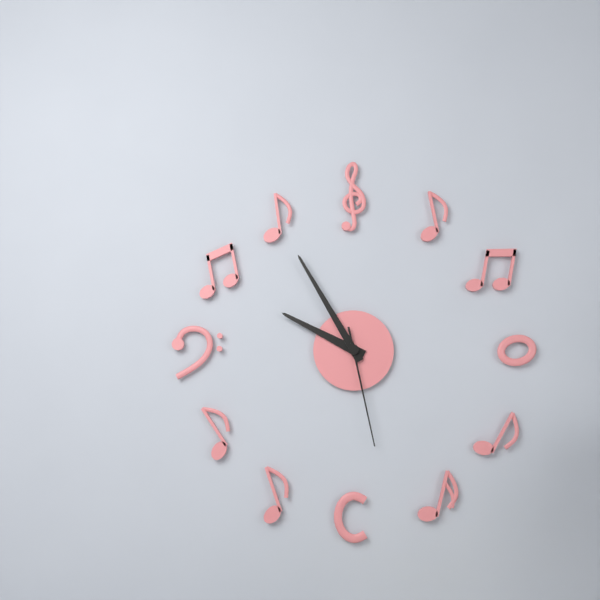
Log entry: {"hour": 9, "minute": 55, "second": 28}
